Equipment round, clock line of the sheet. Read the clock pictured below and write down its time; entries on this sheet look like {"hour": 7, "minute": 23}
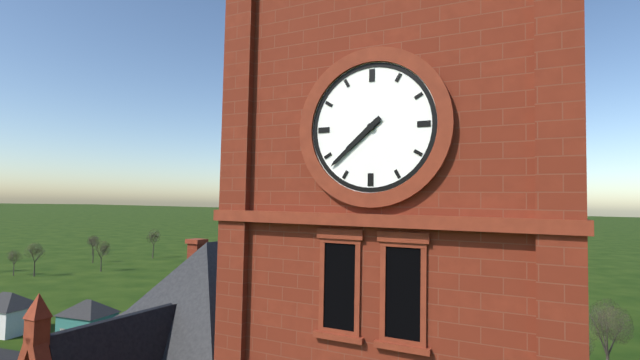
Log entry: {"hour": 7, "minute": 38}
